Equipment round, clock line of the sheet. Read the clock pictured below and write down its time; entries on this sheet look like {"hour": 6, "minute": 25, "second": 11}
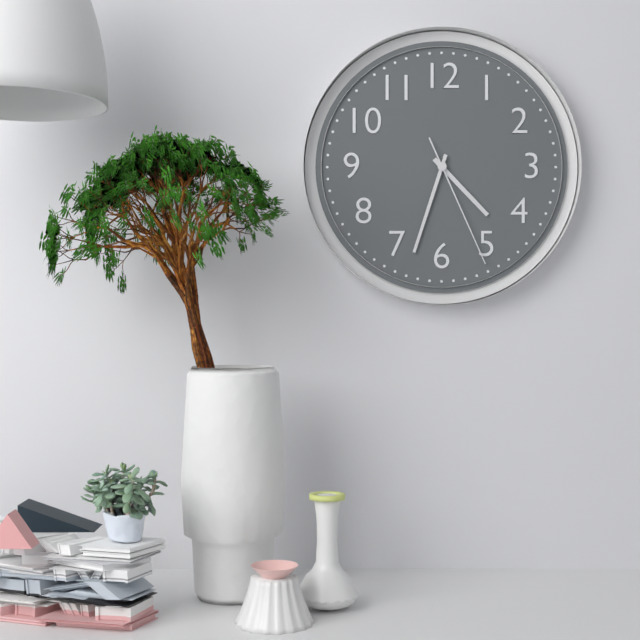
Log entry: {"hour": 4, "minute": 33, "second": 26}
